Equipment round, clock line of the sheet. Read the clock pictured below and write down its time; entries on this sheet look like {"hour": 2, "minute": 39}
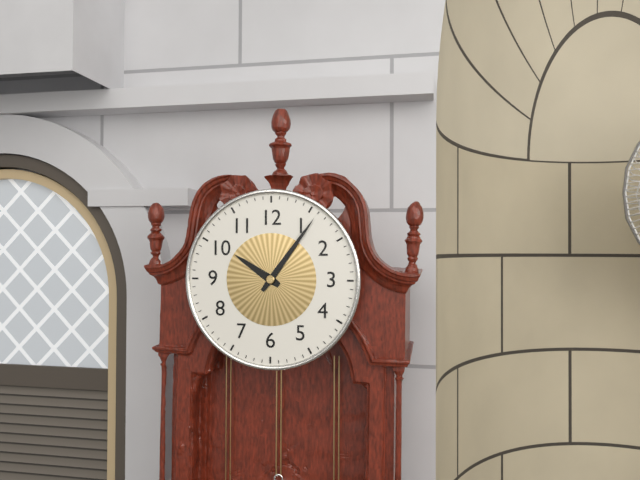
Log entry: {"hour": 10, "minute": 6}
